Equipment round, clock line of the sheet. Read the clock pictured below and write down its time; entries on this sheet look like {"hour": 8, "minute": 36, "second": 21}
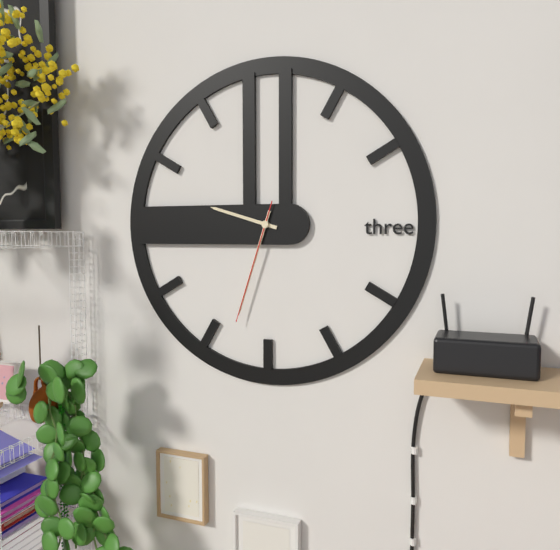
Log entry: {"hour": 9, "minute": 33, "second": 33}
